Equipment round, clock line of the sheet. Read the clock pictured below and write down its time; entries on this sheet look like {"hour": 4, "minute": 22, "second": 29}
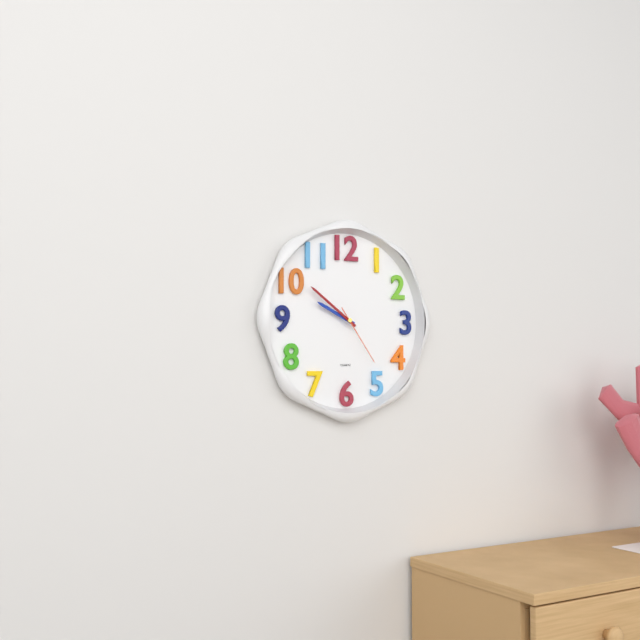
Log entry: {"hour": 9, "minute": 51, "second": 24}
